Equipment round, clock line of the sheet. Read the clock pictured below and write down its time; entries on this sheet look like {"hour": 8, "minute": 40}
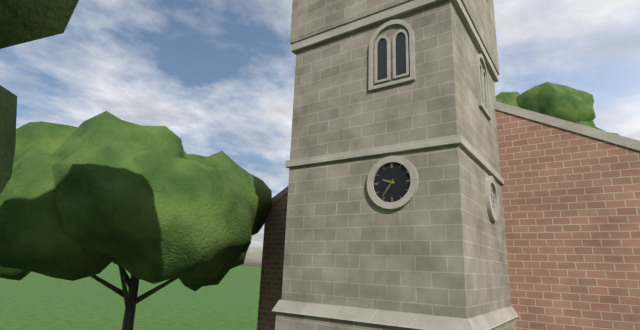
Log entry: {"hour": 9, "minute": 36}
